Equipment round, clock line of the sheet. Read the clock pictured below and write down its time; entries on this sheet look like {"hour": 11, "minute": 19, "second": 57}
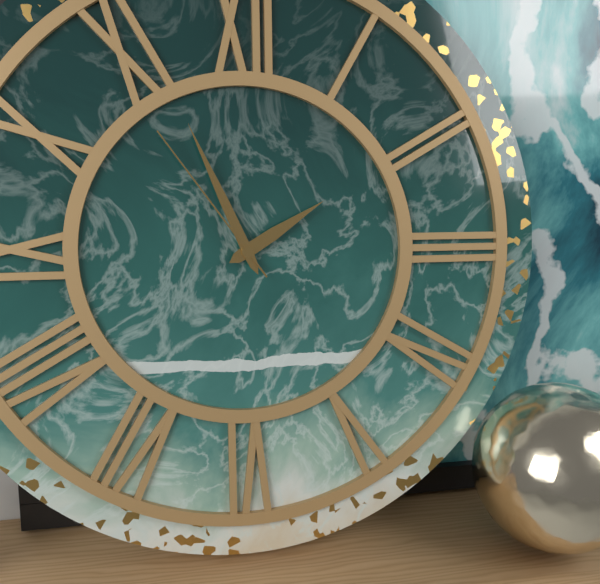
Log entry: {"hour": 1, "minute": 56, "second": 54}
